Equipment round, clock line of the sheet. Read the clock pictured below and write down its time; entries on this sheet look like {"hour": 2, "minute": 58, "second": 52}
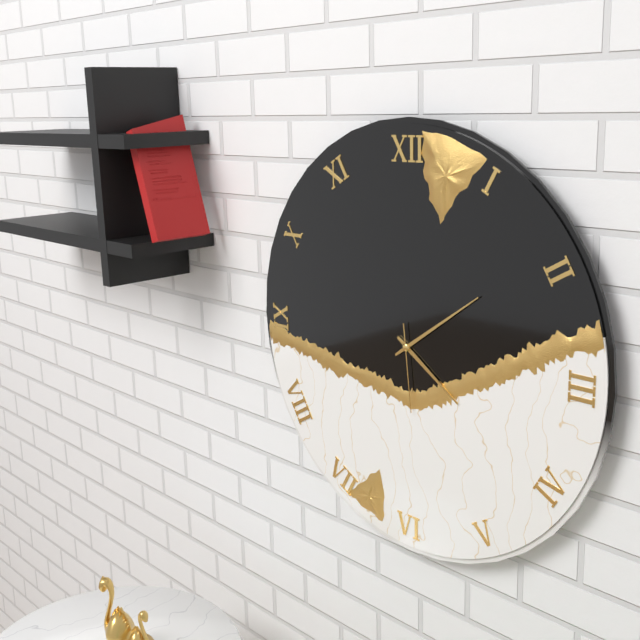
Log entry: {"hour": 4, "minute": 9, "second": 29}
